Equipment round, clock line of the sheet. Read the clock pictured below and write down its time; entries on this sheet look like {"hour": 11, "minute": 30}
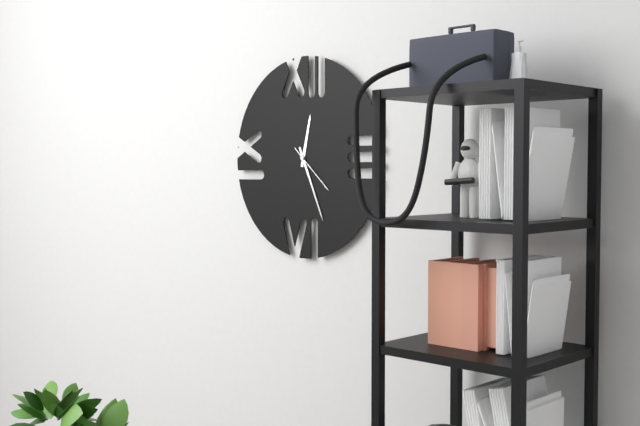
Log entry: {"hour": 12, "minute": 26}
